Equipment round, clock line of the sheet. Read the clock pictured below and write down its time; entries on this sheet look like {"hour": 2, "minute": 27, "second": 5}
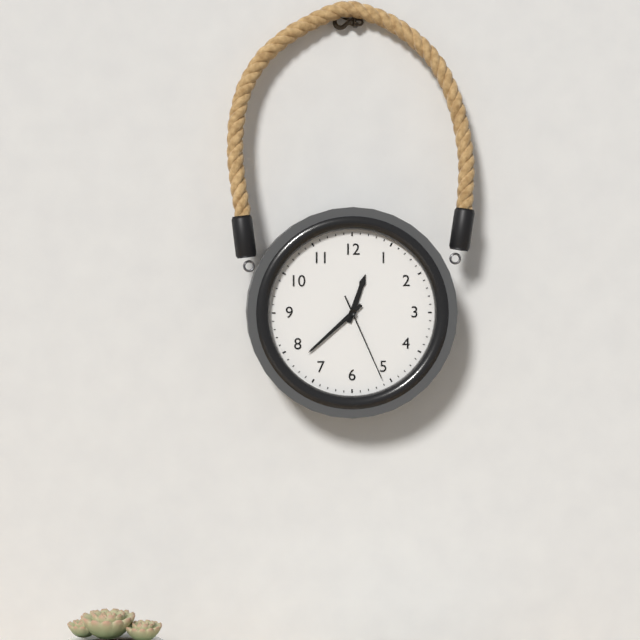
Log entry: {"hour": 12, "minute": 38, "second": 26}
